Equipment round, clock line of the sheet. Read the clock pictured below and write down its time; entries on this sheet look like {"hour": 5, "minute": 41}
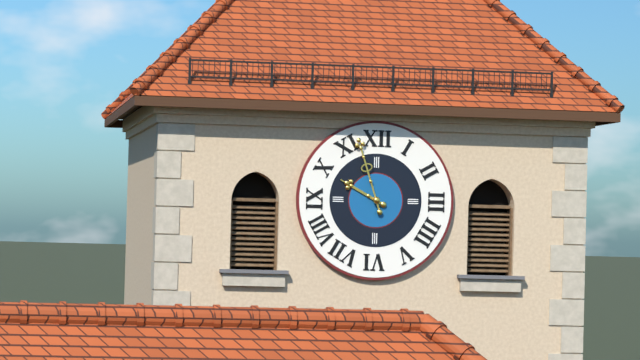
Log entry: {"hour": 9, "minute": 57}
